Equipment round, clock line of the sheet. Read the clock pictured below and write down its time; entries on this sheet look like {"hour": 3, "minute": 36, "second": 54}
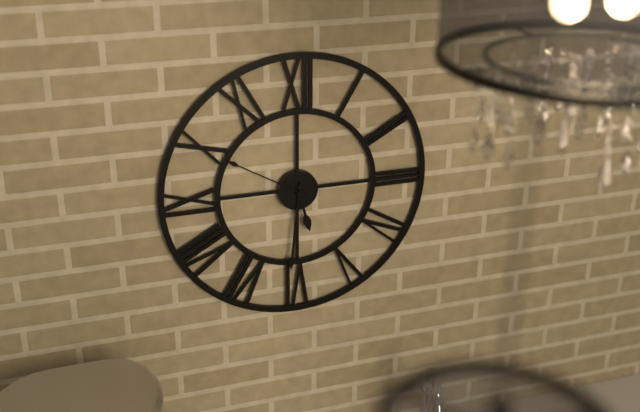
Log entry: {"hour": 5, "minute": 31, "second": 50}
